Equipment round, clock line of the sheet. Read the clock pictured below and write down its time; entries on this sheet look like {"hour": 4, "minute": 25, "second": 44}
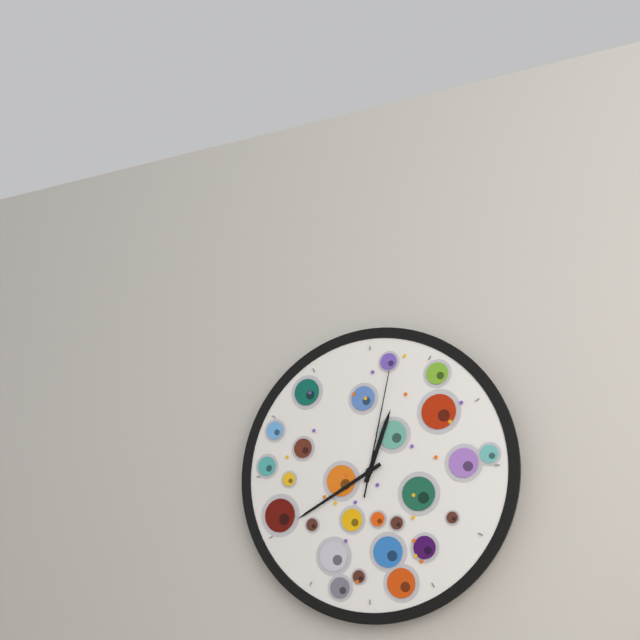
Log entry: {"hour": 12, "minute": 40, "second": 2}
